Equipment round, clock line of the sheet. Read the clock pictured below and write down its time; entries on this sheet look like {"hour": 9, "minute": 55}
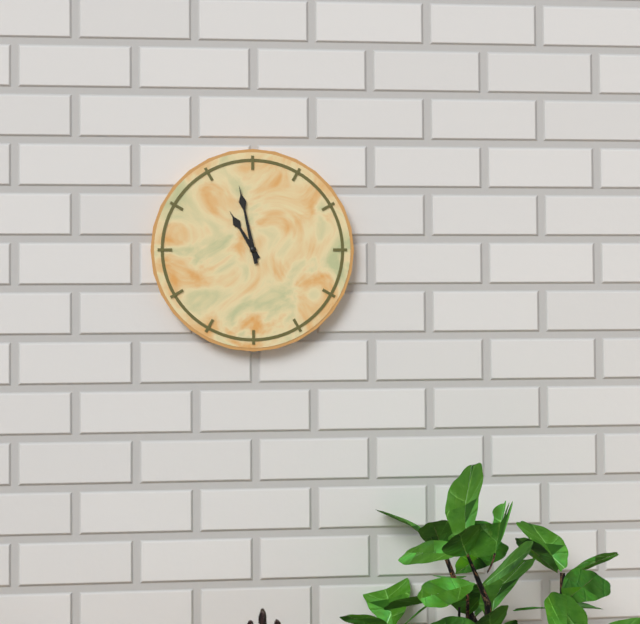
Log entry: {"hour": 10, "minute": 58}
